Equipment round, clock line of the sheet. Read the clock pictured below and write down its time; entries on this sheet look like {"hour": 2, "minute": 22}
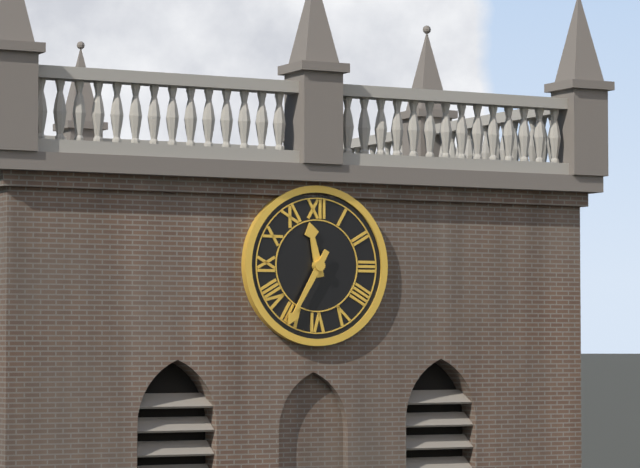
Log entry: {"hour": 11, "minute": 35}
